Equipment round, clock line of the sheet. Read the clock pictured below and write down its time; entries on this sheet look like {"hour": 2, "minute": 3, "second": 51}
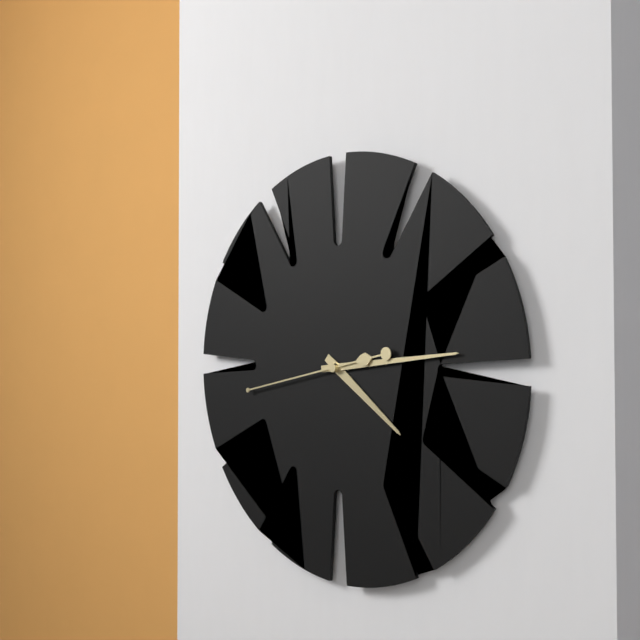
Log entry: {"hour": 4, "minute": 14, "second": 43}
